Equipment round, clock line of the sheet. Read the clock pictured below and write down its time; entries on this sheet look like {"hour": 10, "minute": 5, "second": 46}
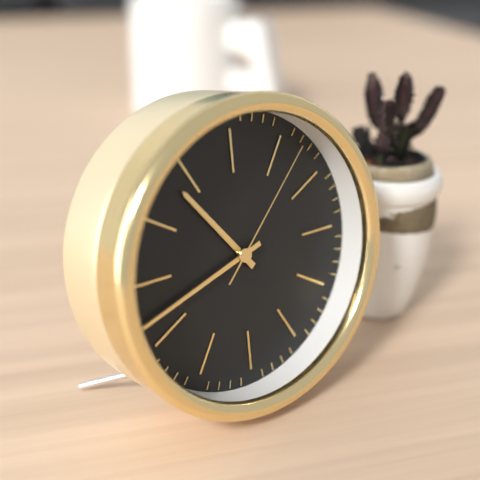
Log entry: {"hour": 10, "minute": 42, "second": 7}
